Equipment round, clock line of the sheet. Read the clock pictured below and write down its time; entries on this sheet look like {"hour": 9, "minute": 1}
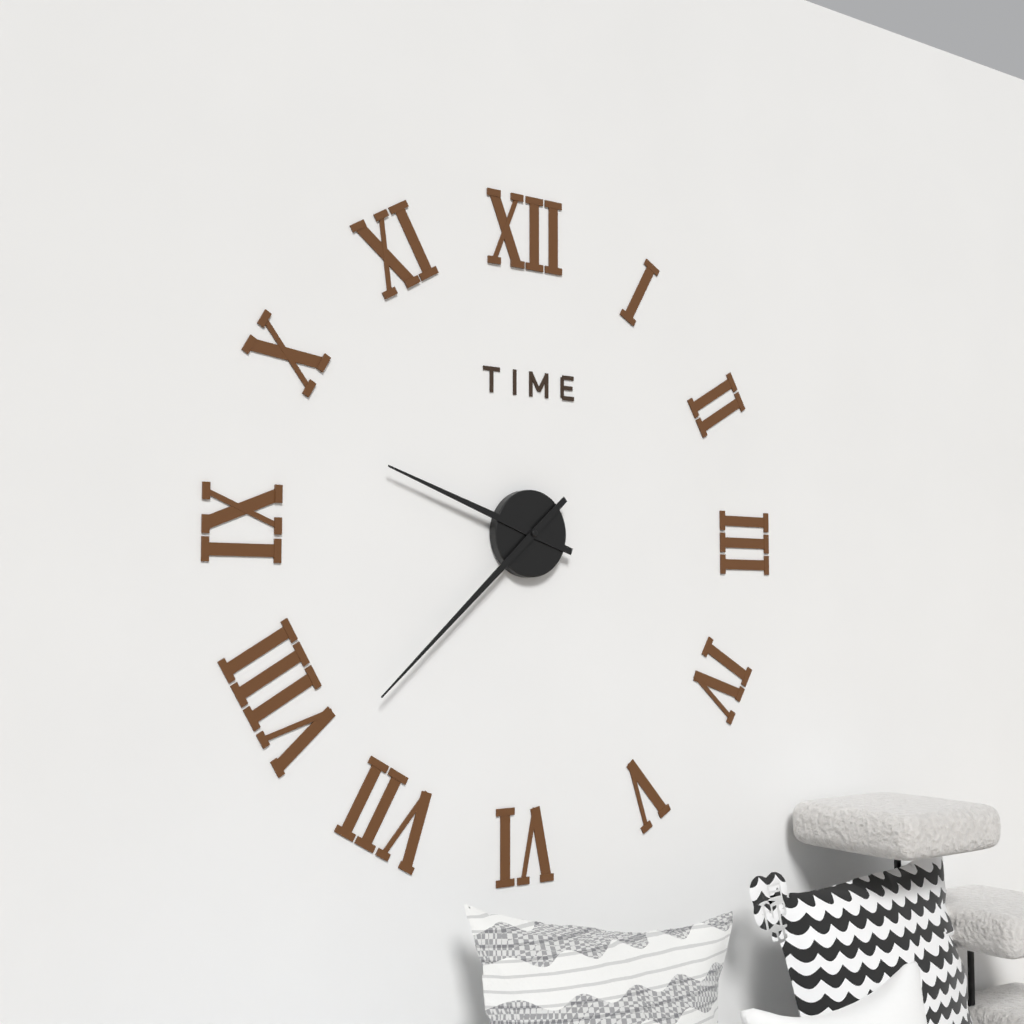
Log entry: {"hour": 9, "minute": 38}
